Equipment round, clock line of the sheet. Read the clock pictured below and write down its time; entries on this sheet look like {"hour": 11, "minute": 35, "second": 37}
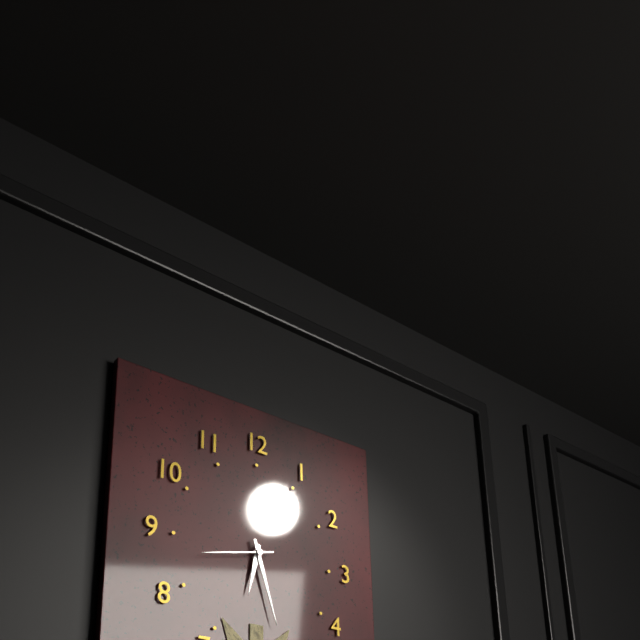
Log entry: {"hour": 6, "minute": 27, "second": 43}
